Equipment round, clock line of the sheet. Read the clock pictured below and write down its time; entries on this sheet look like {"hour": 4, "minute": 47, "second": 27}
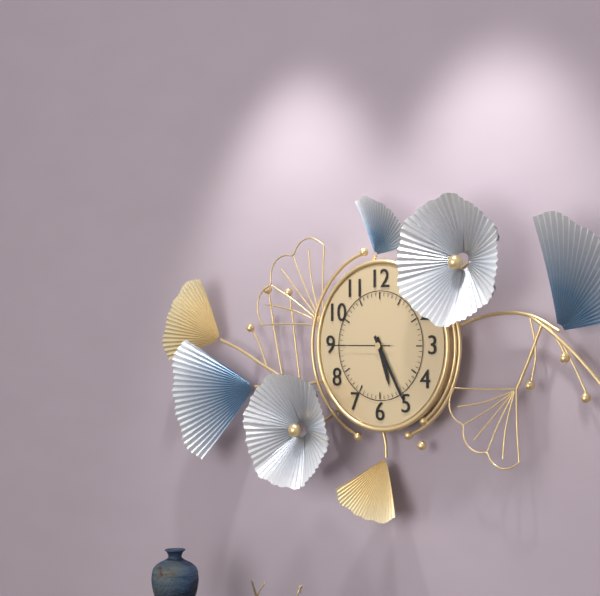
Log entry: {"hour": 5, "minute": 25, "second": 45}
